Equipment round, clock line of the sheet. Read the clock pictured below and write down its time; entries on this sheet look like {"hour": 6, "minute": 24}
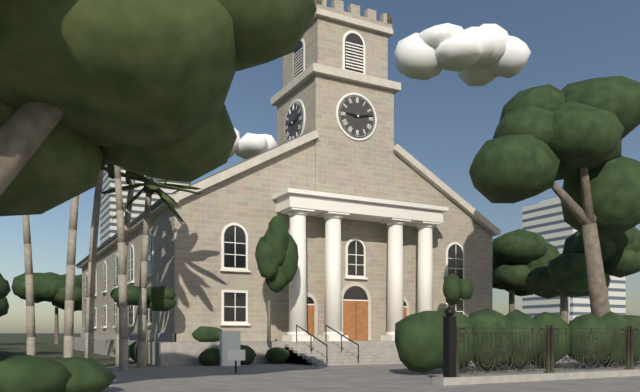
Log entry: {"hour": 9, "minute": 13}
